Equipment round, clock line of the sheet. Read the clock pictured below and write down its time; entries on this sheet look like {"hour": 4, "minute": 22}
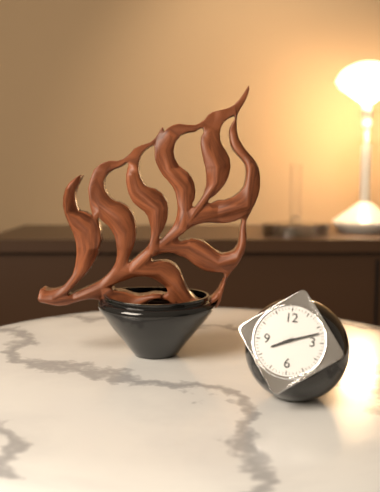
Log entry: {"hour": 8, "minute": 12}
